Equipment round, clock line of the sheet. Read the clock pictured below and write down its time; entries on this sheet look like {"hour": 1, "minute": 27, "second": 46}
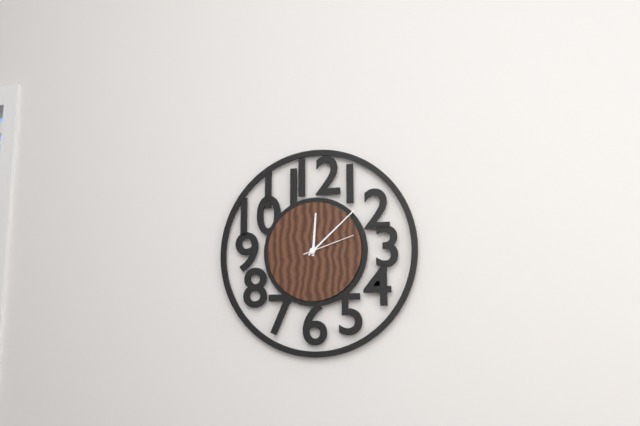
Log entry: {"hour": 12, "minute": 8, "second": 12}
